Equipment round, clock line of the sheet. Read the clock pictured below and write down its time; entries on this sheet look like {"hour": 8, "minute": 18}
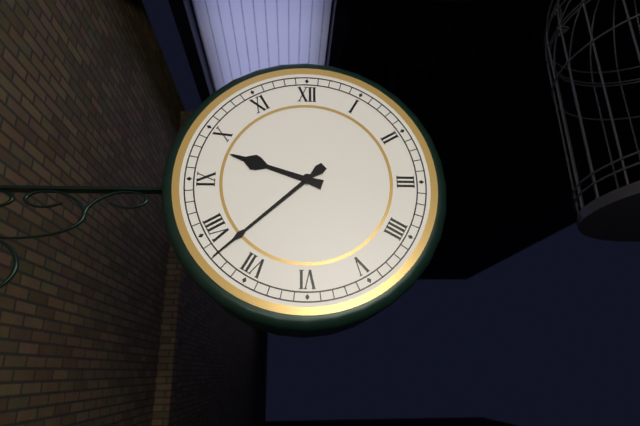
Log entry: {"hour": 9, "minute": 38}
